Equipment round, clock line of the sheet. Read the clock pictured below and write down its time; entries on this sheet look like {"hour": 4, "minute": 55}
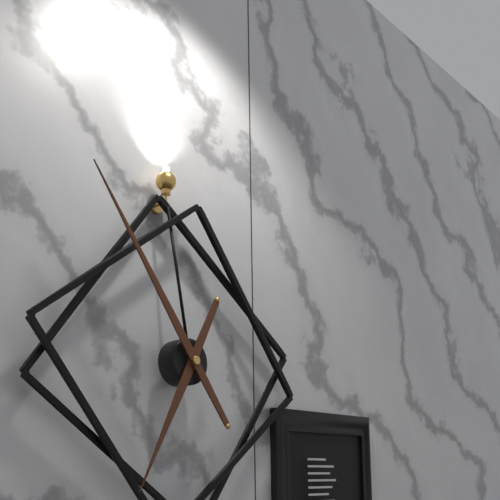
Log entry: {"hour": 6, "minute": 54}
